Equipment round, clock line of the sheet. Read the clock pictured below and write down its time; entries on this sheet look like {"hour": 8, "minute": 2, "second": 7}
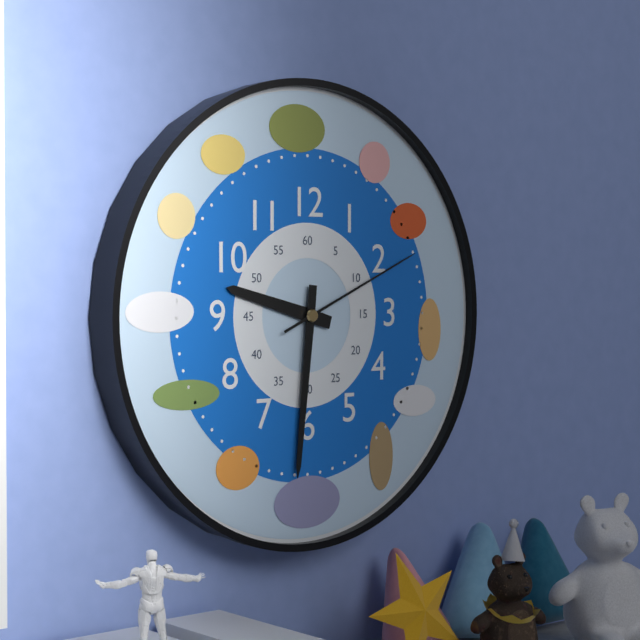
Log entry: {"hour": 9, "minute": 31, "second": 11}
